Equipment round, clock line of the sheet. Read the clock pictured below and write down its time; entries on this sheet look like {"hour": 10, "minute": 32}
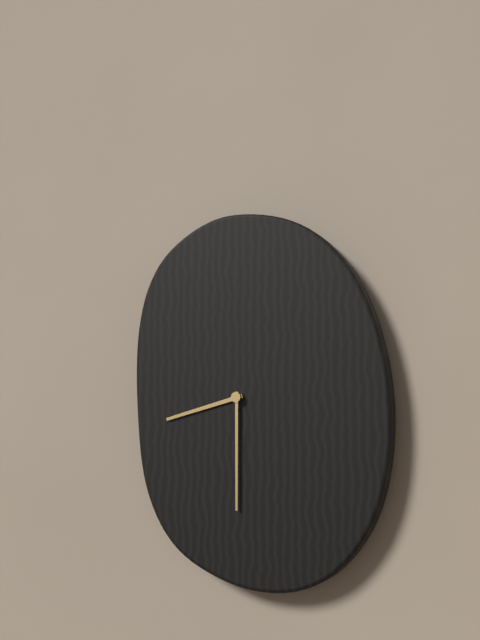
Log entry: {"hour": 8, "minute": 30}
